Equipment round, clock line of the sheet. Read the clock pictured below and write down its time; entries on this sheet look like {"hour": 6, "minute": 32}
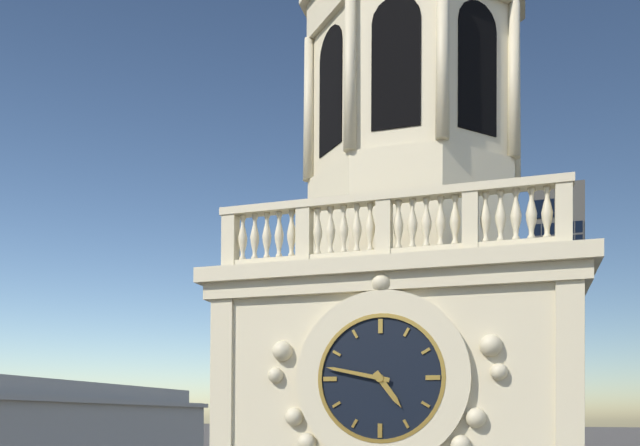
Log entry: {"hour": 4, "minute": 47}
